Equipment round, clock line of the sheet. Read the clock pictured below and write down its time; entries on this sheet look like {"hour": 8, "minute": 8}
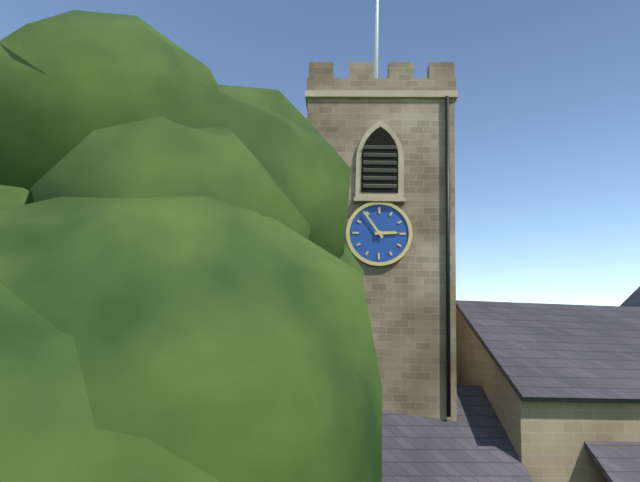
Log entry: {"hour": 2, "minute": 54}
